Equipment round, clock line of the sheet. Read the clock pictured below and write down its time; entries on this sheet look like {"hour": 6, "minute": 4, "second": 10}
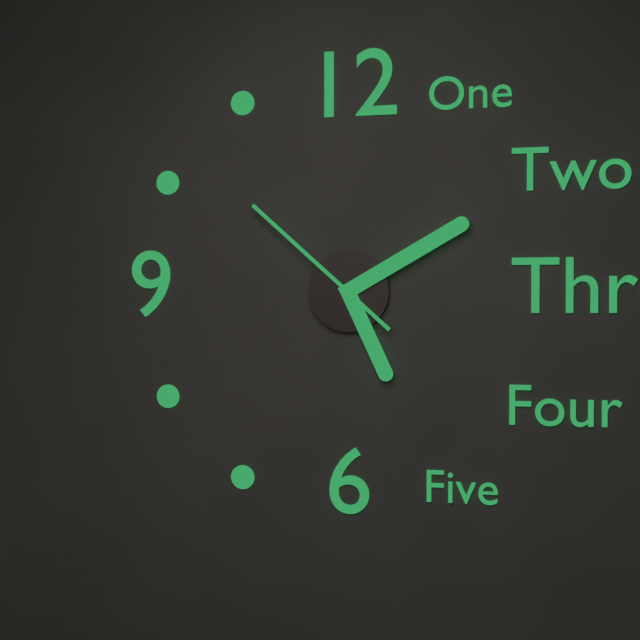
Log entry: {"hour": 5, "minute": 10, "second": 52}
